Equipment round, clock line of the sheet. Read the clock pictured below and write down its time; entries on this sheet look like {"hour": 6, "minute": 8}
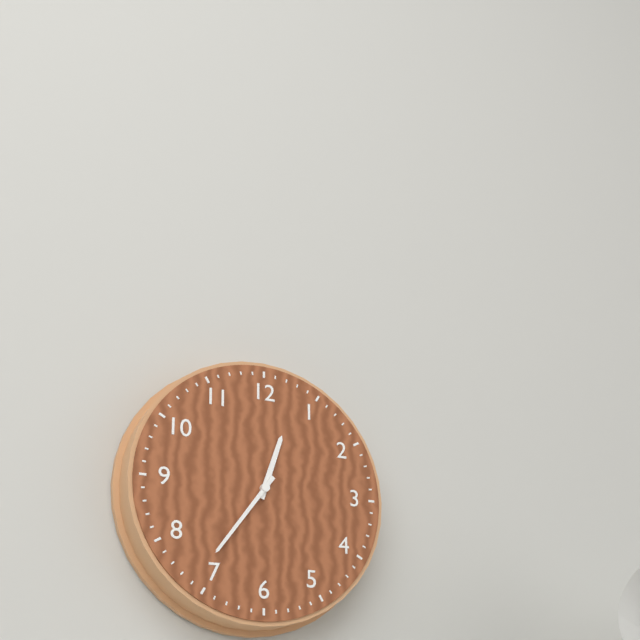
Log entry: {"hour": 12, "minute": 36}
